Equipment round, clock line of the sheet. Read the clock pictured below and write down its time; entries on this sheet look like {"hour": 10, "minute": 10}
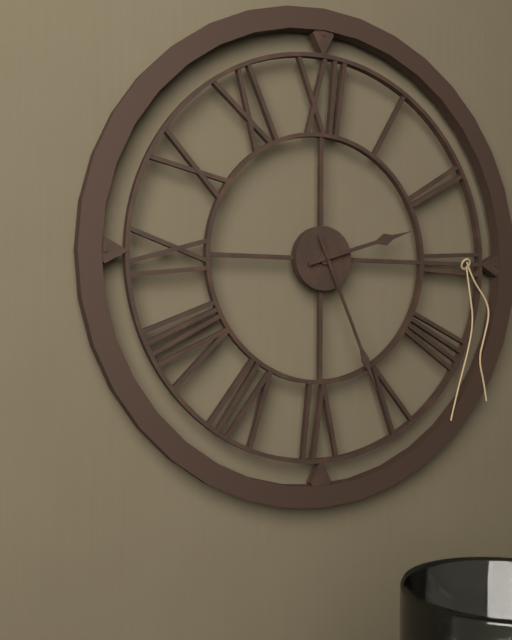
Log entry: {"hour": 2, "minute": 26}
